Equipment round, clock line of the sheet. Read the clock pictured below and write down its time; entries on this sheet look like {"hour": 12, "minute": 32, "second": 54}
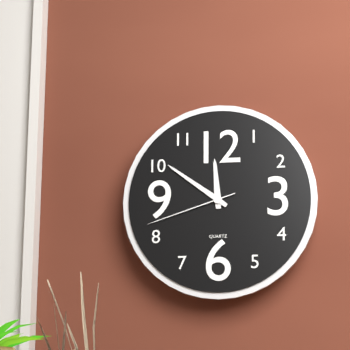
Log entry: {"hour": 11, "minute": 51, "second": 42}
